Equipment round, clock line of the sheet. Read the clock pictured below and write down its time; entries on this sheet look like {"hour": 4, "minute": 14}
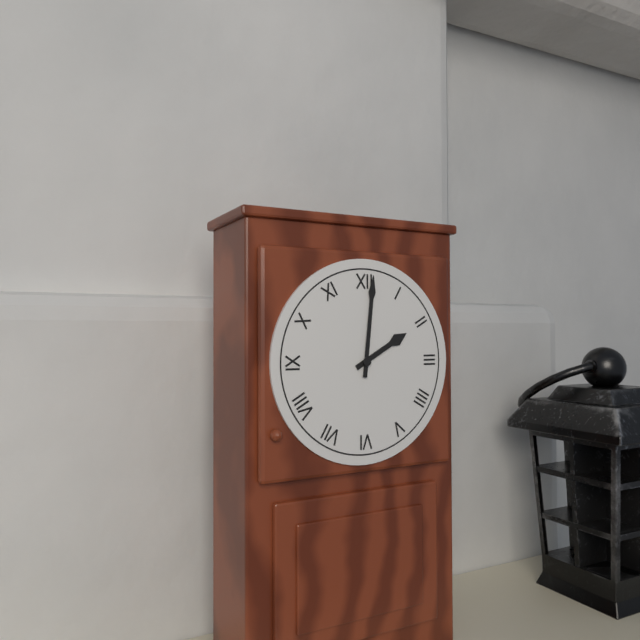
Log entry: {"hour": 2, "minute": 1}
